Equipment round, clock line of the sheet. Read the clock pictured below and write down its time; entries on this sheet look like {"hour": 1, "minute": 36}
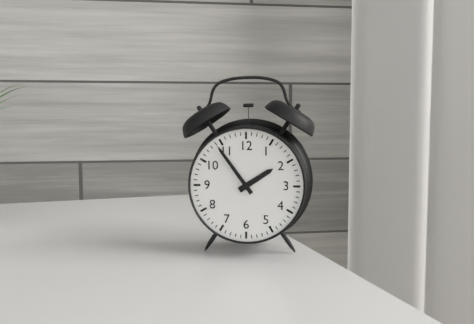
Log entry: {"hour": 1, "minute": 54}
